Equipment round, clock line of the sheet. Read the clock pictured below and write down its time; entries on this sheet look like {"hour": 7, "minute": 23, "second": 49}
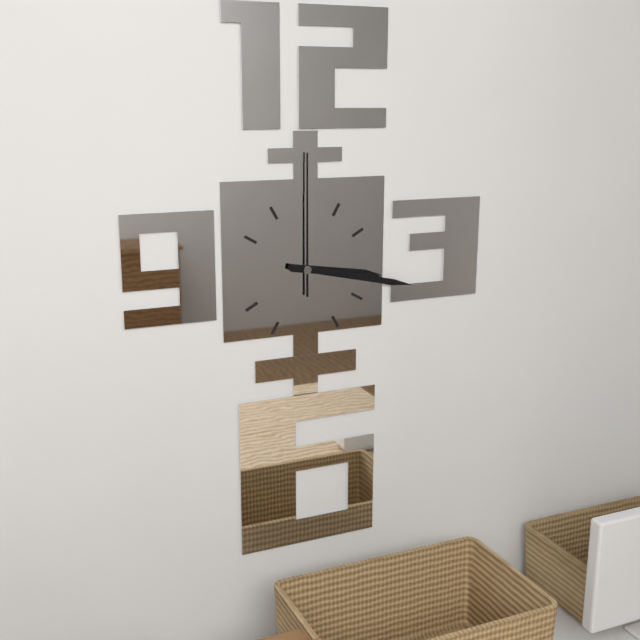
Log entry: {"hour": 3, "minute": 17, "second": 0}
